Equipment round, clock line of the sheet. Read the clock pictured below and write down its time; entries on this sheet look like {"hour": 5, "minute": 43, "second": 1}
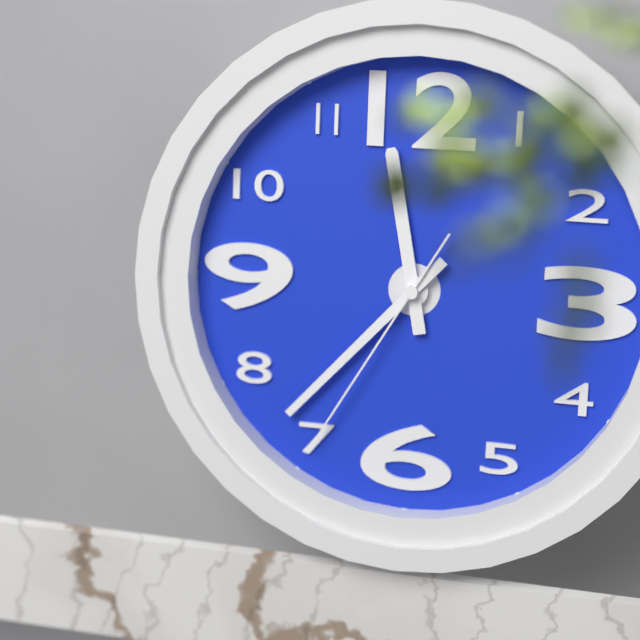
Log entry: {"hour": 11, "minute": 37, "second": 35}
